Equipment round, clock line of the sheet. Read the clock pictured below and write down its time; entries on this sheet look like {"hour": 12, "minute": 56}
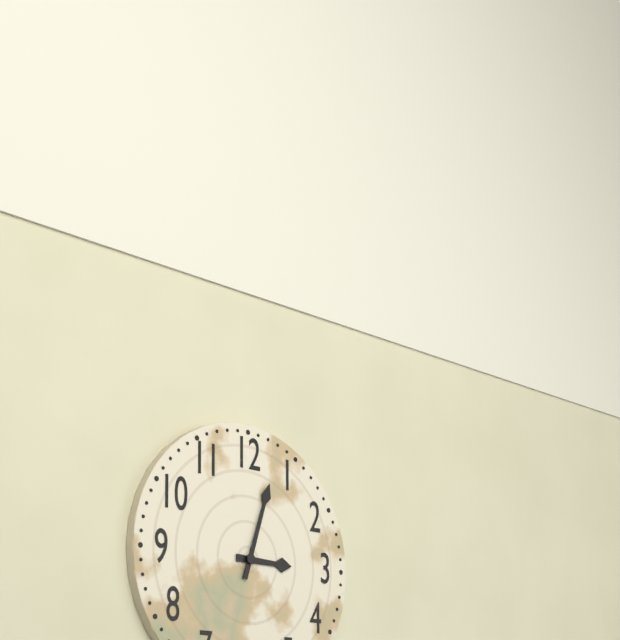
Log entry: {"hour": 3, "minute": 3}
